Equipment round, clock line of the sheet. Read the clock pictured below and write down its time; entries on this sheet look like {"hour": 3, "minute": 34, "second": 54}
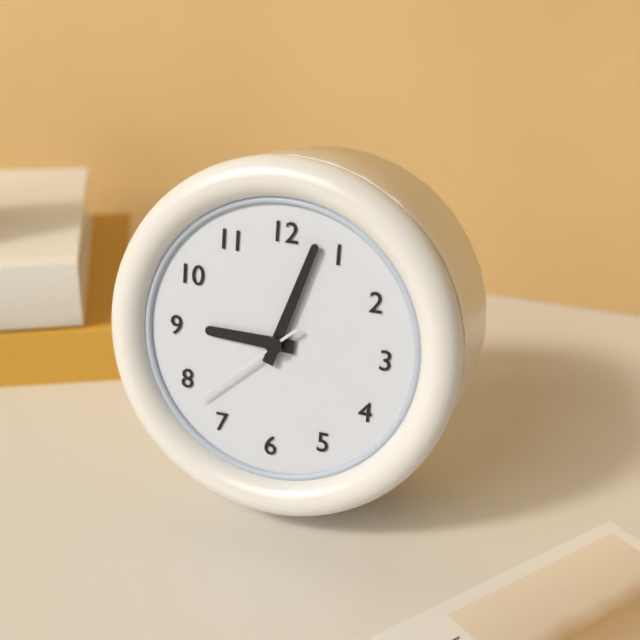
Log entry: {"hour": 9, "minute": 3, "second": 38}
